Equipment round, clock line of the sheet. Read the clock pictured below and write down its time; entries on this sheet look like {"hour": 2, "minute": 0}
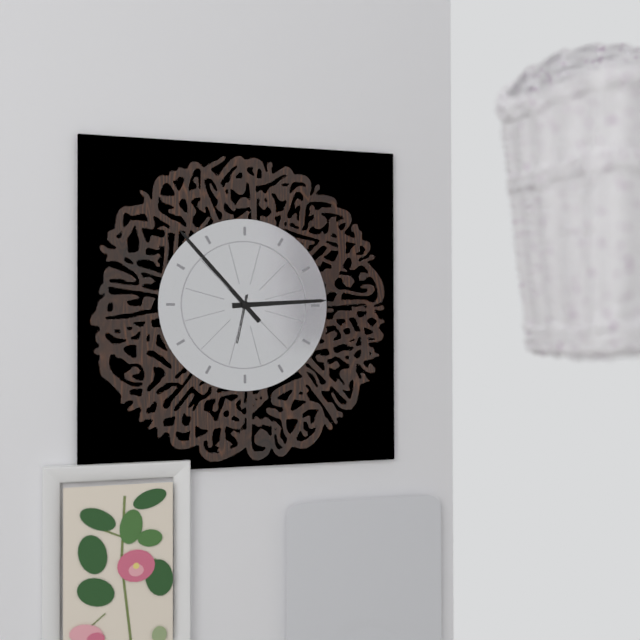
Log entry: {"hour": 2, "minute": 53}
